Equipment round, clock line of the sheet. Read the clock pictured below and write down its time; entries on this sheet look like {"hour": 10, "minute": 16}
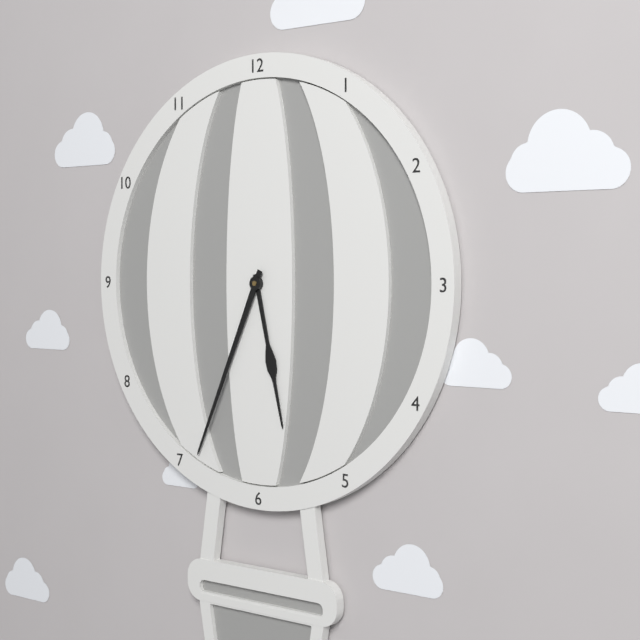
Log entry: {"hour": 5, "minute": 34}
